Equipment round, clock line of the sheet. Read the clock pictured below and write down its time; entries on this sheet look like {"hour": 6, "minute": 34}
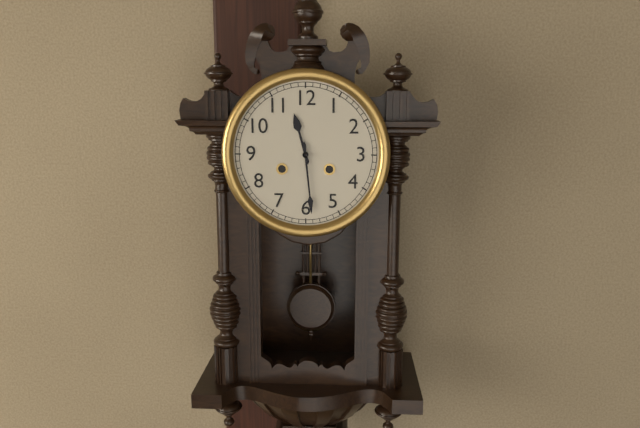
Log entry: {"hour": 11, "minute": 29}
